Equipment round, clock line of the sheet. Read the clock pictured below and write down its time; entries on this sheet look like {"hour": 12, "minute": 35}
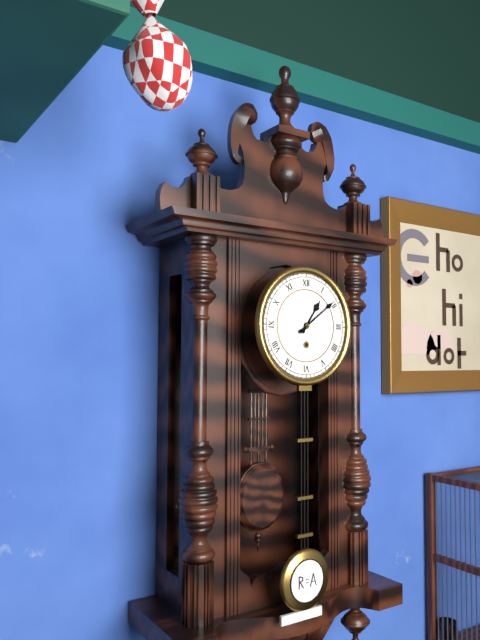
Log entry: {"hour": 1, "minute": 9}
